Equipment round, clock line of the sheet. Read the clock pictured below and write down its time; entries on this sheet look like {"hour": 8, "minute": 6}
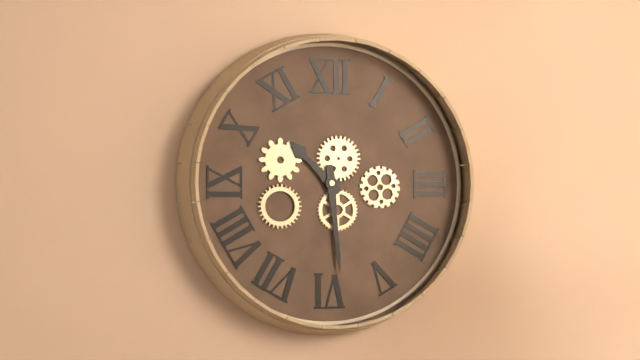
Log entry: {"hour": 10, "minute": 29}
